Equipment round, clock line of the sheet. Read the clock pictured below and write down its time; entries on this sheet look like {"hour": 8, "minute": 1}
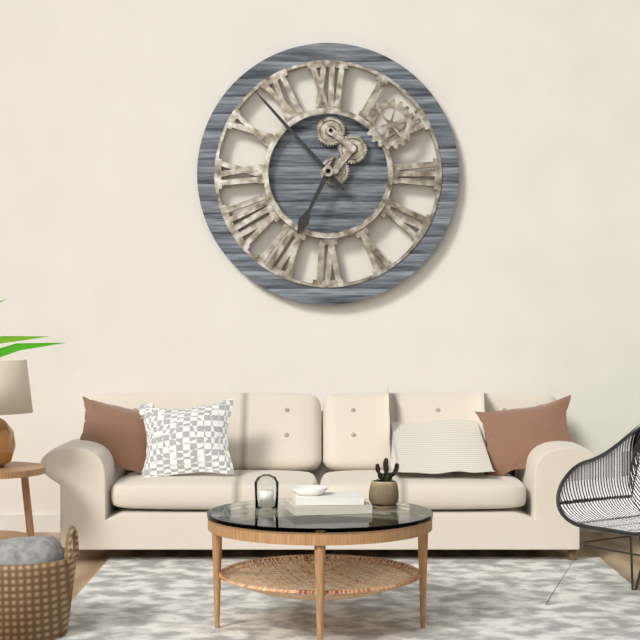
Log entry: {"hour": 6, "minute": 53}
